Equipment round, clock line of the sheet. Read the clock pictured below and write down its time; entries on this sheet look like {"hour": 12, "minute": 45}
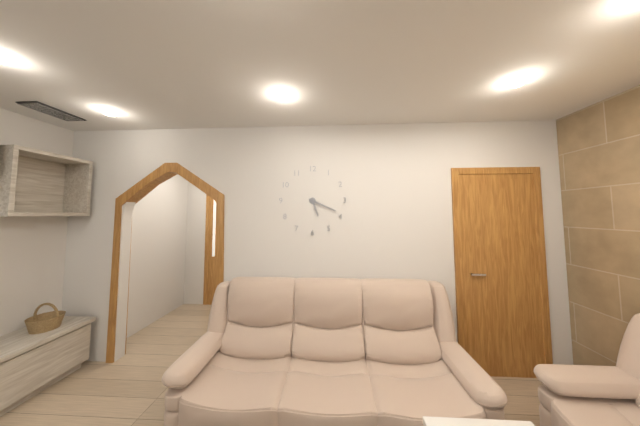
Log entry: {"hour": 5, "minute": 19}
